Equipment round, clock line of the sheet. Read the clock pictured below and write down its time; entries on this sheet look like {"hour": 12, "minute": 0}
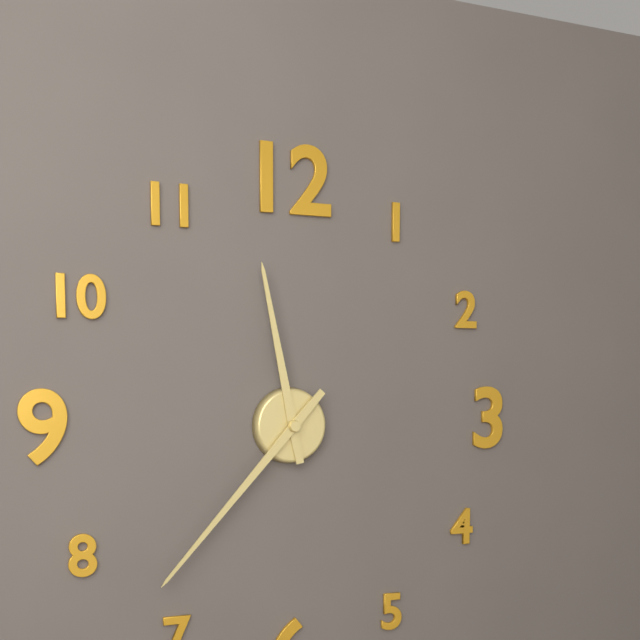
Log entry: {"hour": 11, "minute": 37}
